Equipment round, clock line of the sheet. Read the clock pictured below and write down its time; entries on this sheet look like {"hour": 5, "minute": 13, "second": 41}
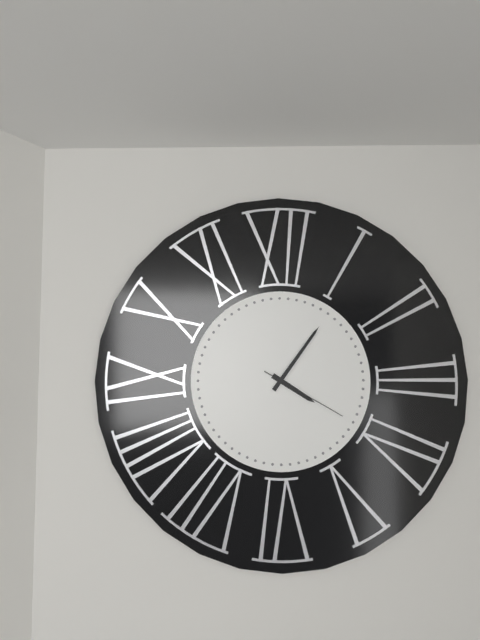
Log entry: {"hour": 4, "minute": 6, "second": 20}
